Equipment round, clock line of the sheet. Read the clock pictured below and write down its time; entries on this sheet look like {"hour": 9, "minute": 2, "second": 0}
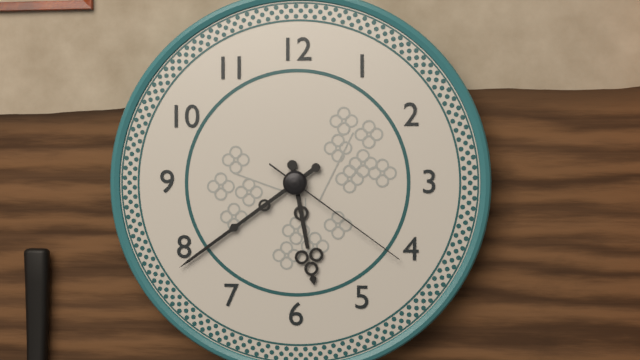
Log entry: {"hour": 5, "minute": 39, "second": 21}
